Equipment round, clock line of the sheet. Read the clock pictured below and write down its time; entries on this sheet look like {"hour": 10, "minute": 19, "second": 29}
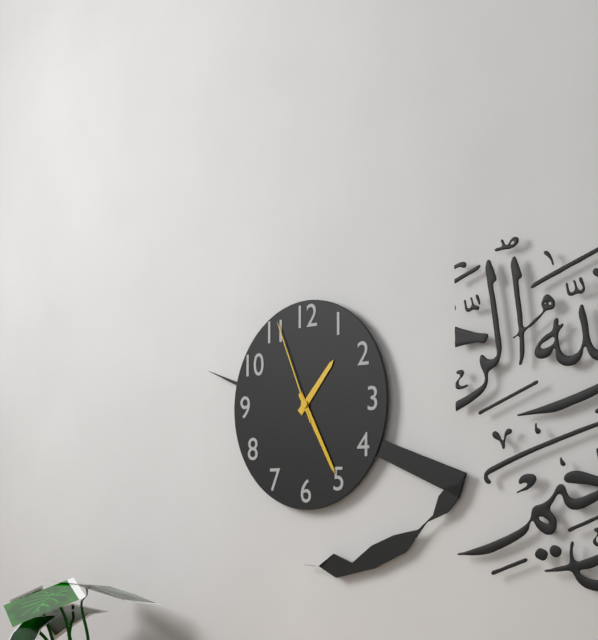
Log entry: {"hour": 1, "minute": 25, "second": 56}
